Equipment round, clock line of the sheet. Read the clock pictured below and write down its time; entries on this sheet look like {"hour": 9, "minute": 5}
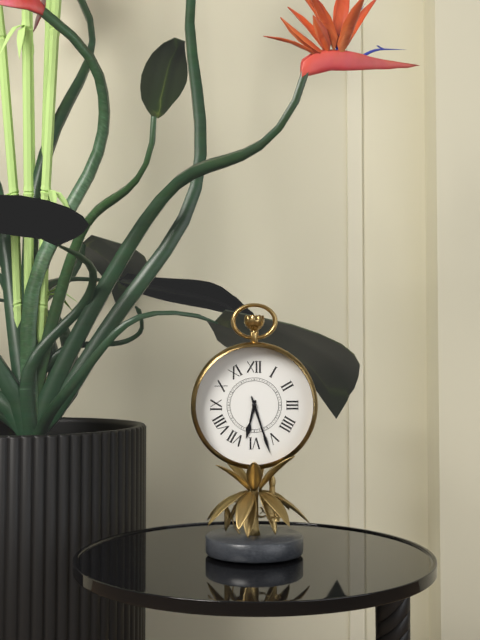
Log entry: {"hour": 6, "minute": 27}
